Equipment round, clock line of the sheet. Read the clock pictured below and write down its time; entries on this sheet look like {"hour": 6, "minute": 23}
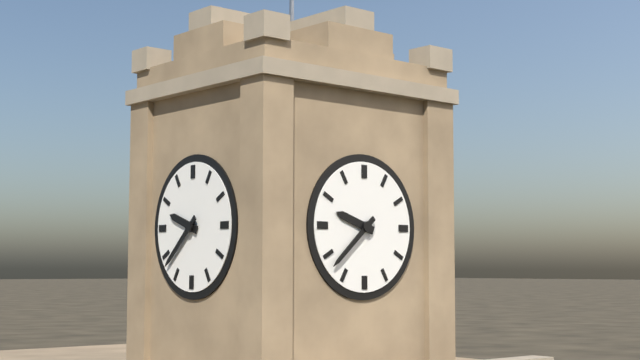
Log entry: {"hour": 9, "minute": 38}
